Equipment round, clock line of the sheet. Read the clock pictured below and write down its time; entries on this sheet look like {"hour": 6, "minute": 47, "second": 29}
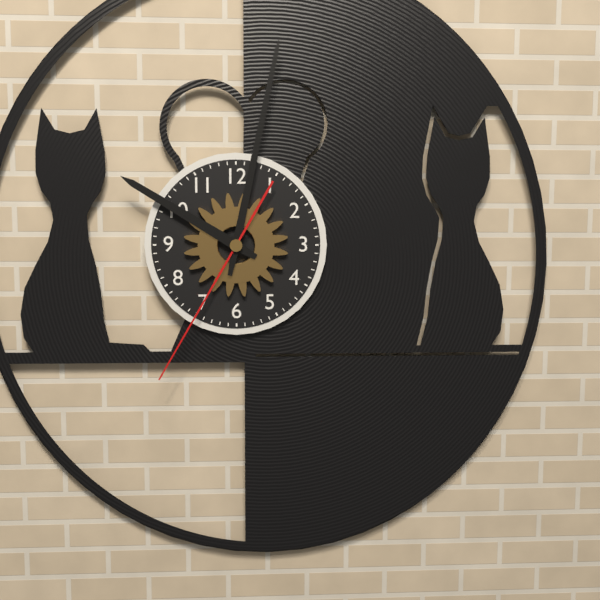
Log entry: {"hour": 10, "minute": 2, "second": 35}
